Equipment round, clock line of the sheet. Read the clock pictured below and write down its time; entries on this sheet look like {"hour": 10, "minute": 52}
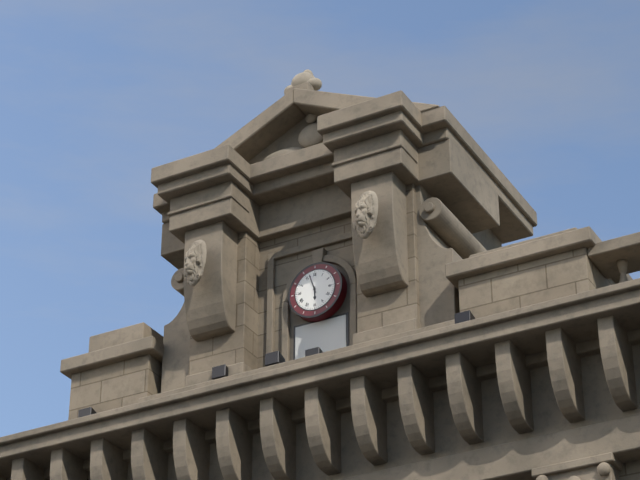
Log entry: {"hour": 5, "minute": 57}
